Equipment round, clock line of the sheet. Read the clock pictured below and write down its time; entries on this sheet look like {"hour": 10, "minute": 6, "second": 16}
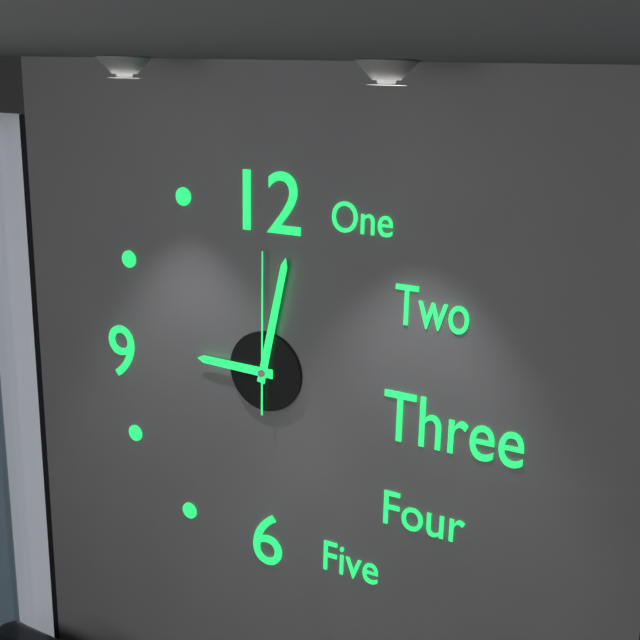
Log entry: {"hour": 9, "minute": 2, "second": 0}
